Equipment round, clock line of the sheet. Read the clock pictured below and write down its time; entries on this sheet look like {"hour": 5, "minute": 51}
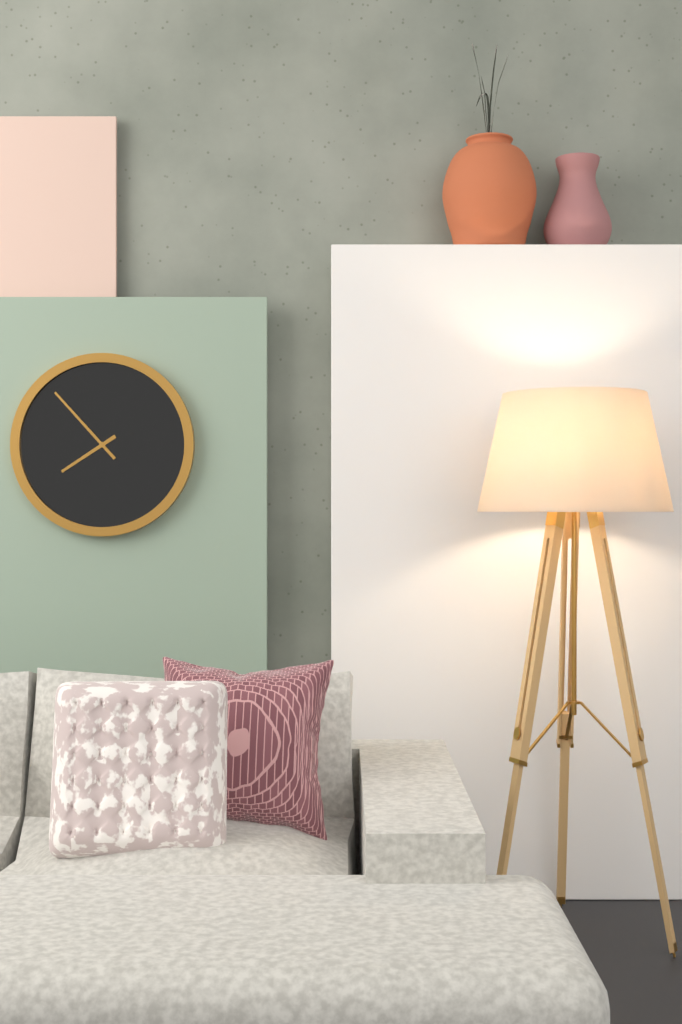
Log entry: {"hour": 7, "minute": 53}
